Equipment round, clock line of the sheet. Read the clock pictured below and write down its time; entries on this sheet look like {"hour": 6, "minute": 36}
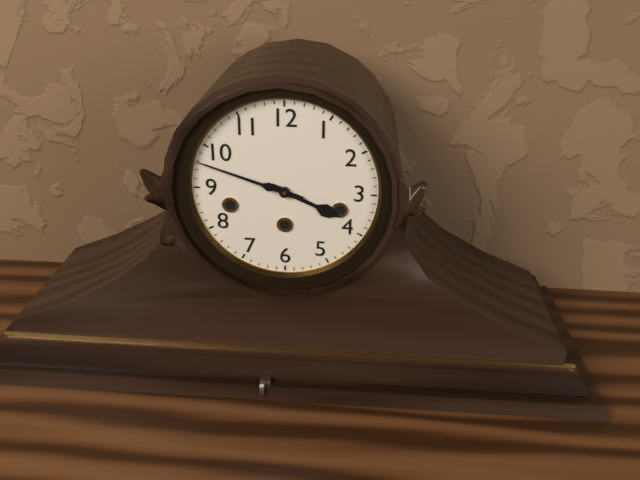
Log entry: {"hour": 3, "minute": 48}
